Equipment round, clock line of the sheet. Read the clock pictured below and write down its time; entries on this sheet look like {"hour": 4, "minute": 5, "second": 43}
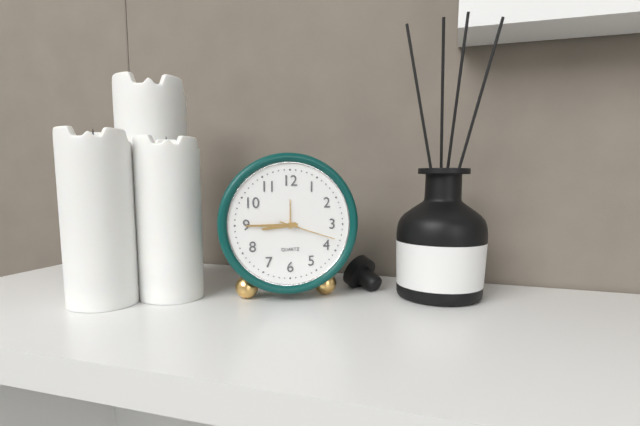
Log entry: {"hour": 8, "minute": 45, "second": 18}
